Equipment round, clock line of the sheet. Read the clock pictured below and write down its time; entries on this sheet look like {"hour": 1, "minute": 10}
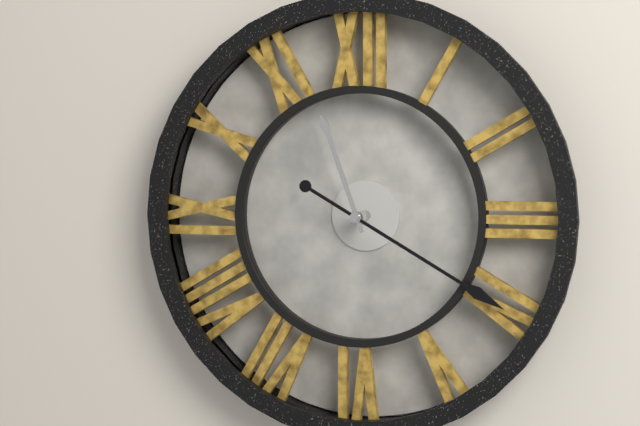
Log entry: {"hour": 11, "minute": 20}
